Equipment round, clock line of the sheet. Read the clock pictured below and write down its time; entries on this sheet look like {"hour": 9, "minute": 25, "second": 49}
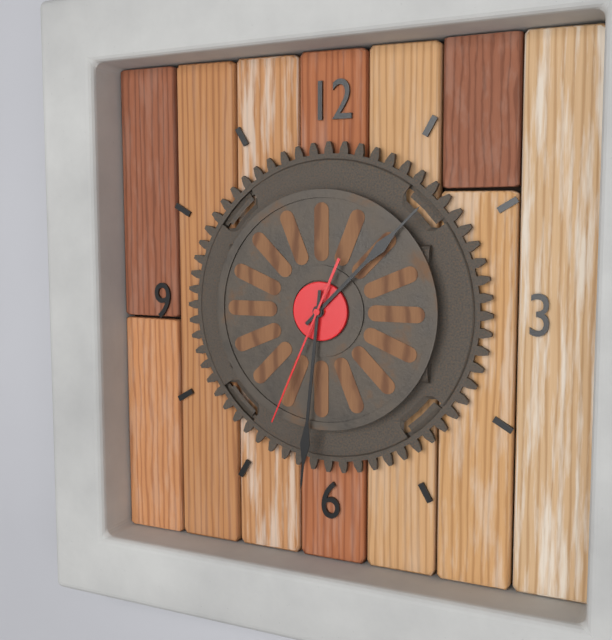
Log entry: {"hour": 1, "minute": 31, "second": 34}
